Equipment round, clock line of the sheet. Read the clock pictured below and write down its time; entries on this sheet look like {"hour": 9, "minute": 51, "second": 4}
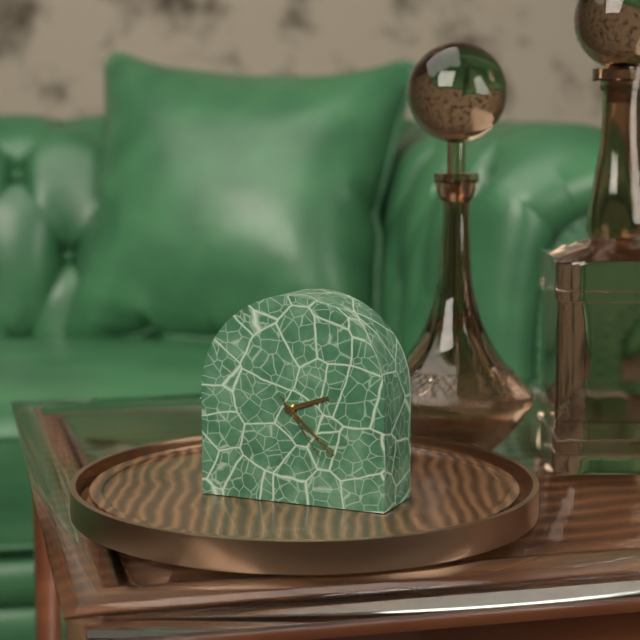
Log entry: {"hour": 2, "minute": 22, "second": 24}
